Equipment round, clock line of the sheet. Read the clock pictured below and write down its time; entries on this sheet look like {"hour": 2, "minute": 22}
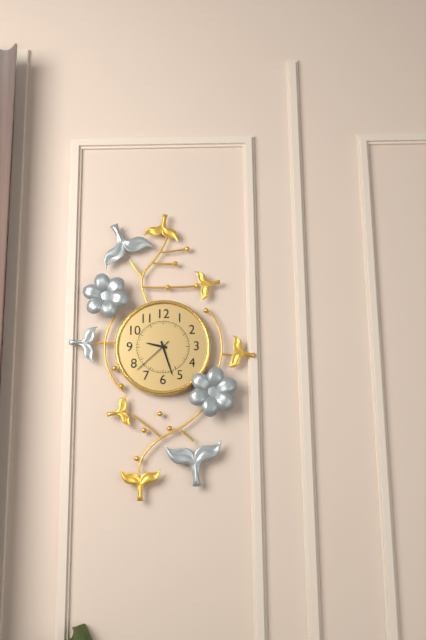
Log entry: {"hour": 9, "minute": 27}
